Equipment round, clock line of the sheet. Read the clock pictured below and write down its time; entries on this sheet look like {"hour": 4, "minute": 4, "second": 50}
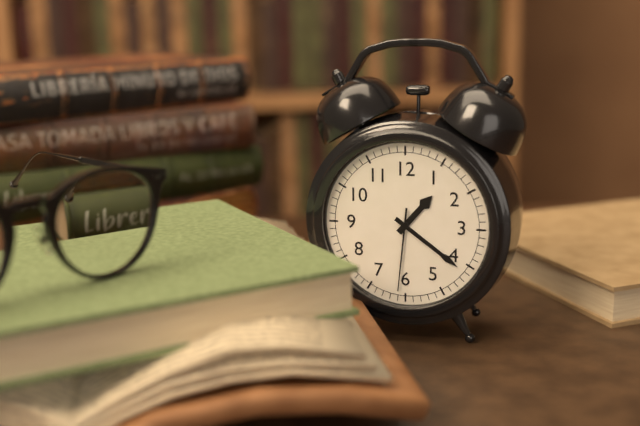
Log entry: {"hour": 1, "minute": 21, "second": 31}
